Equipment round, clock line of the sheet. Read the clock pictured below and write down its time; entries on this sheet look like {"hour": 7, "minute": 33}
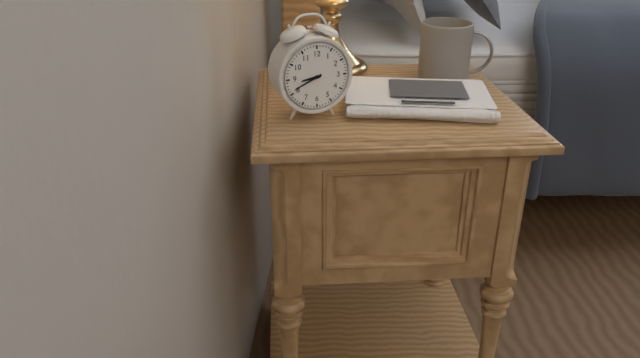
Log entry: {"hour": 8, "minute": 41}
